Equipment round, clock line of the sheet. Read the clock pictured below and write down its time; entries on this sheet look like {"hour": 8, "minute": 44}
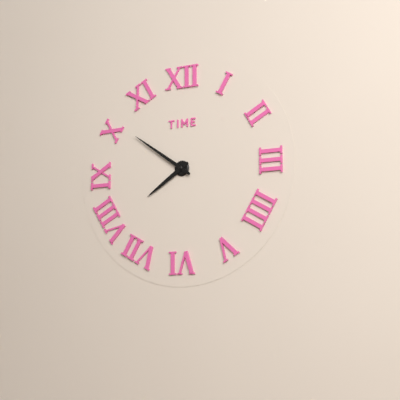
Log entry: {"hour": 7, "minute": 51}
